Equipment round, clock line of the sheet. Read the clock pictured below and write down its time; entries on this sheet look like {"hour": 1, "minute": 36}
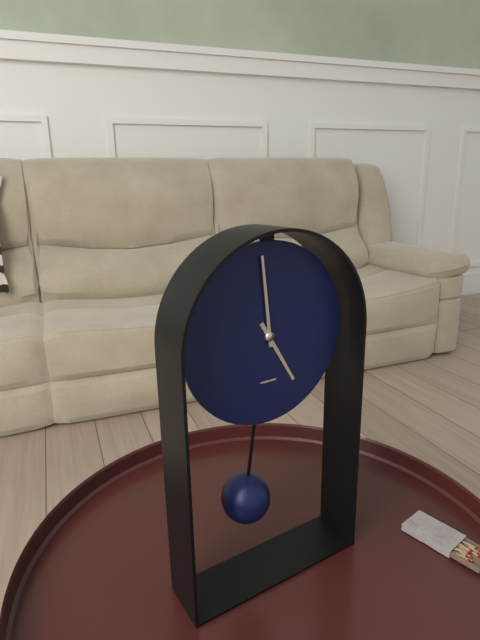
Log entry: {"hour": 4, "minute": 59}
